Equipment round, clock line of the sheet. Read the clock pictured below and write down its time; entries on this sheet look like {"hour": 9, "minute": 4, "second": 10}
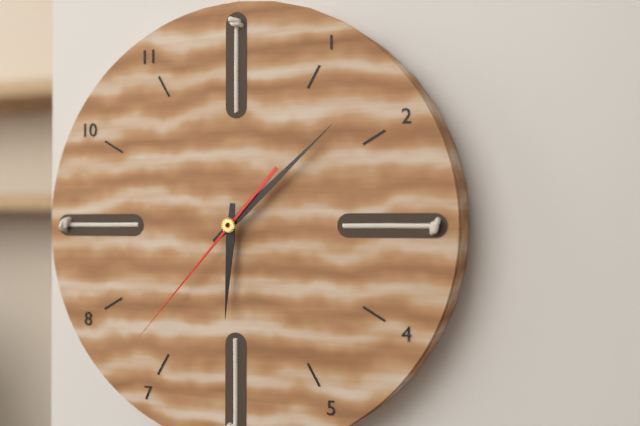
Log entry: {"hour": 6, "minute": 8, "second": 37}
